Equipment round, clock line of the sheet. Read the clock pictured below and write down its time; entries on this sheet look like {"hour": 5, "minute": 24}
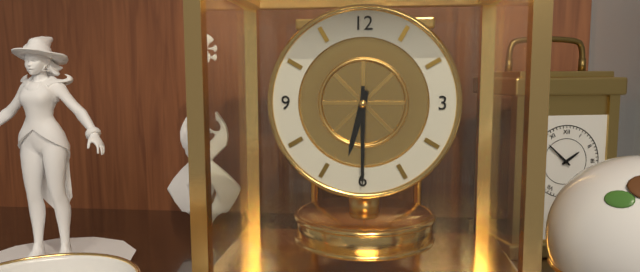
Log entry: {"hour": 6, "minute": 30}
